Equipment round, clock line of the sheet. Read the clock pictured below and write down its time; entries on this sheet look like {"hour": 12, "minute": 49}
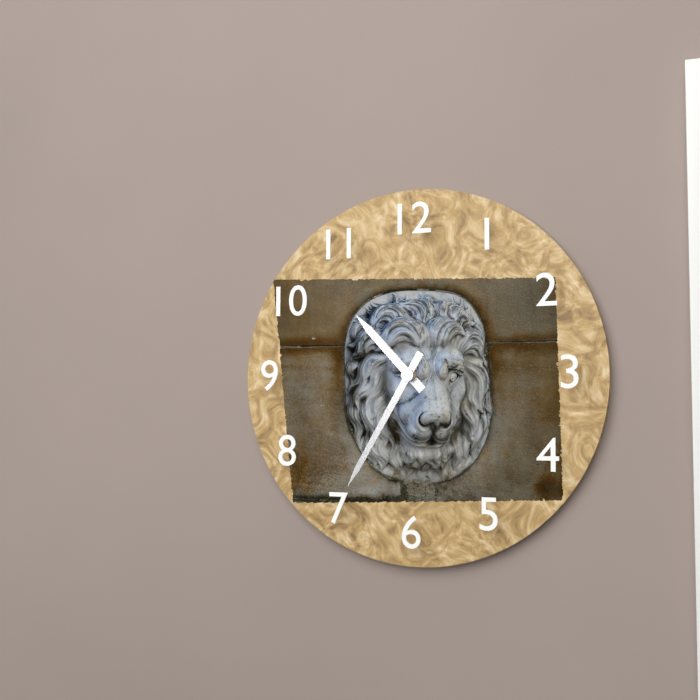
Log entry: {"hour": 10, "minute": 35}
